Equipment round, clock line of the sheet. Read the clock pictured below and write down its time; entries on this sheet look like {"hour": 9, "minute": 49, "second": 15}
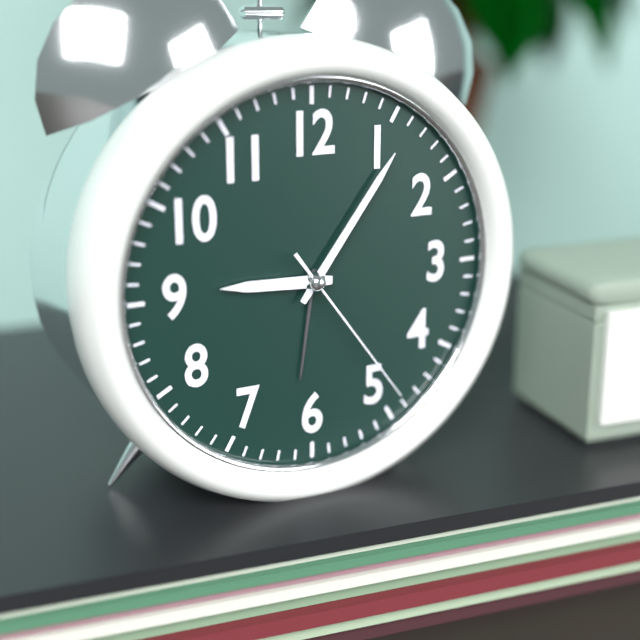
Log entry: {"hour": 9, "minute": 6, "second": 24}
